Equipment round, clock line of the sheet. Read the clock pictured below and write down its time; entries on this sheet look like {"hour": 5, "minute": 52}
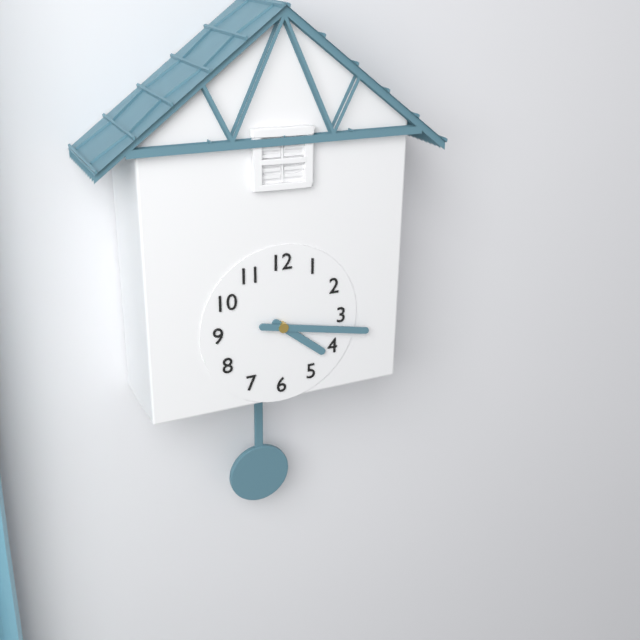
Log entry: {"hour": 4, "minute": 17}
